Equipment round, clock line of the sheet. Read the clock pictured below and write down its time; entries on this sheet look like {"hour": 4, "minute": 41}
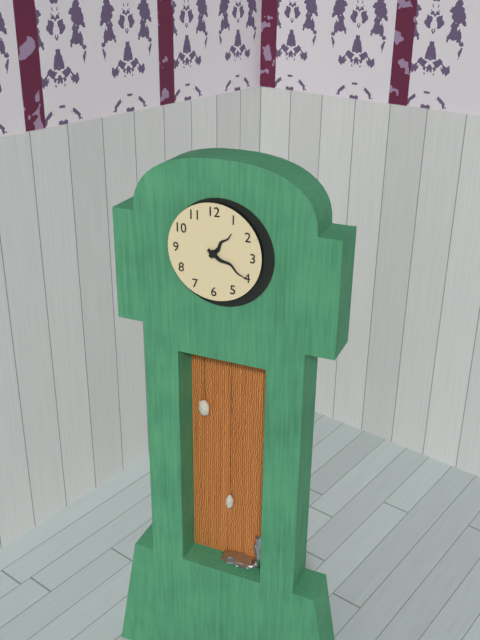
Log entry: {"hour": 1, "minute": 20}
